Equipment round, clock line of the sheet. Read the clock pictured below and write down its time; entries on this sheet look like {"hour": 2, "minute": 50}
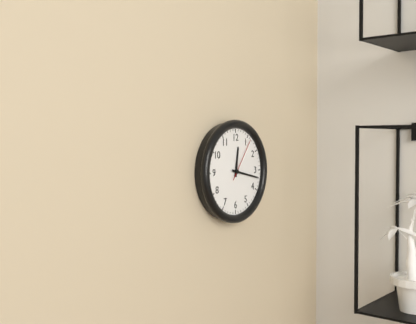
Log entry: {"hour": 12, "minute": 17}
